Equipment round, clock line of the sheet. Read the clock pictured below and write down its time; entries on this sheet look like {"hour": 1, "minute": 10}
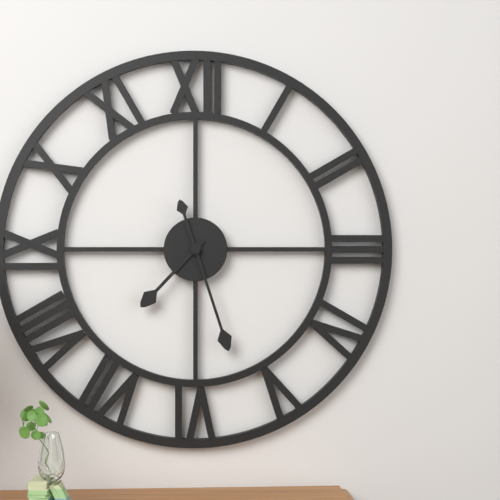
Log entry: {"hour": 7, "minute": 27}
